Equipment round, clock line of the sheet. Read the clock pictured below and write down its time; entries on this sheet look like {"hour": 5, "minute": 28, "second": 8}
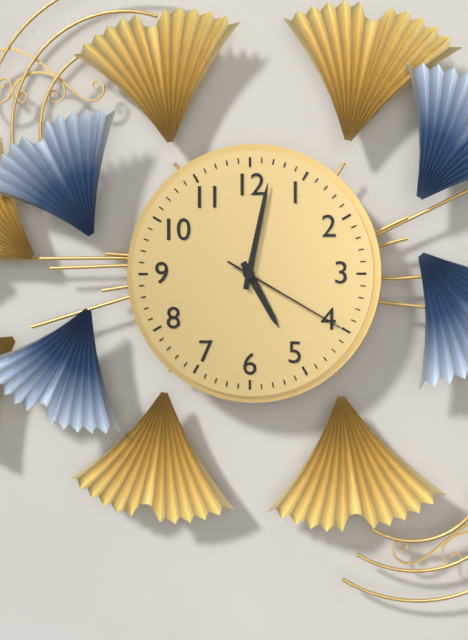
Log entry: {"hour": 5, "minute": 2, "second": 20}
